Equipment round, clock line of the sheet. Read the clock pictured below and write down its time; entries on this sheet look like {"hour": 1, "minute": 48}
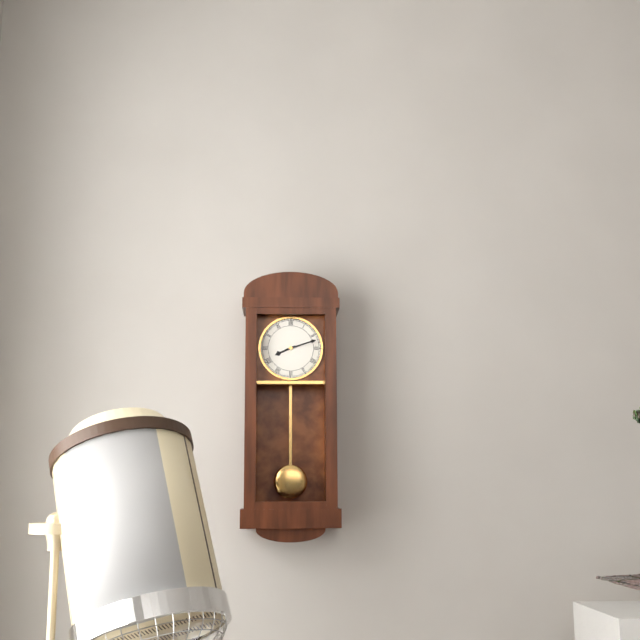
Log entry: {"hour": 8, "minute": 12}
